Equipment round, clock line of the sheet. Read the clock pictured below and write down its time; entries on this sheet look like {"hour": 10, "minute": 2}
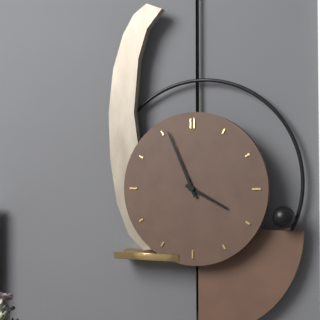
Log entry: {"hour": 3, "minute": 56}
